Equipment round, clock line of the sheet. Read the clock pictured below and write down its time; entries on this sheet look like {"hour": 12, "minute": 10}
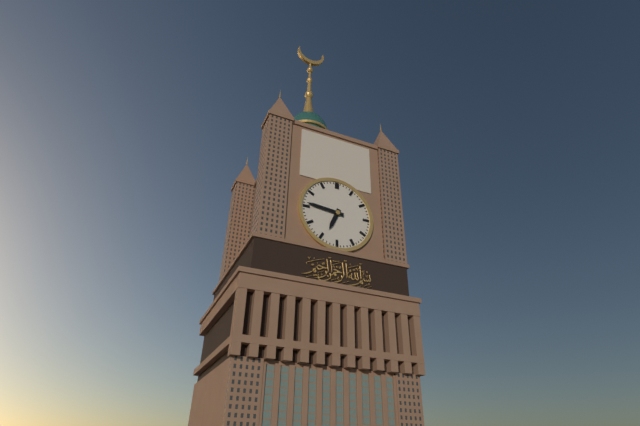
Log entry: {"hour": 6, "minute": 46}
